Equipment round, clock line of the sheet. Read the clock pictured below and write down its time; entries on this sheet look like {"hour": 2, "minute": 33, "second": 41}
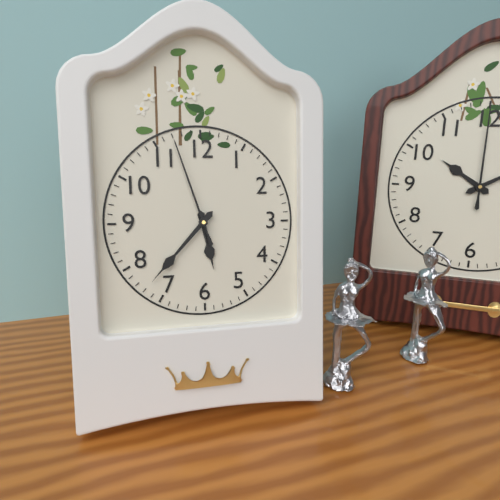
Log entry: {"hour": 5, "minute": 37, "second": 57}
